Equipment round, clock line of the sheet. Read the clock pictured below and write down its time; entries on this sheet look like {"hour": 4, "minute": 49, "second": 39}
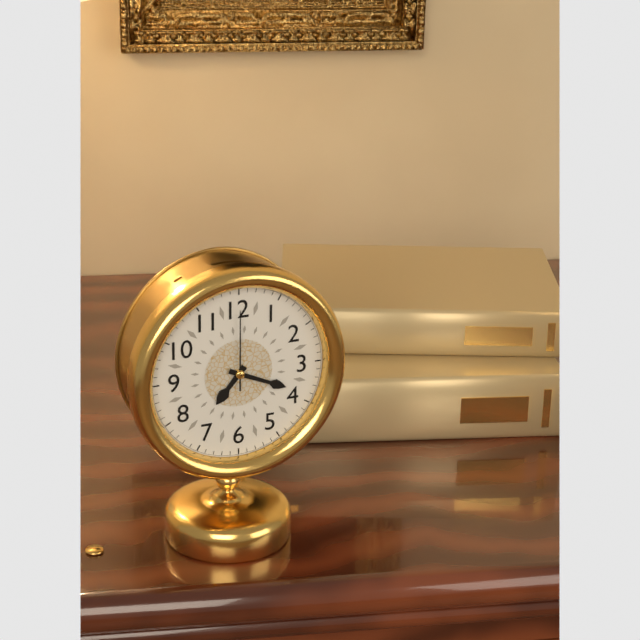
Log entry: {"hour": 7, "minute": 19, "second": 0}
